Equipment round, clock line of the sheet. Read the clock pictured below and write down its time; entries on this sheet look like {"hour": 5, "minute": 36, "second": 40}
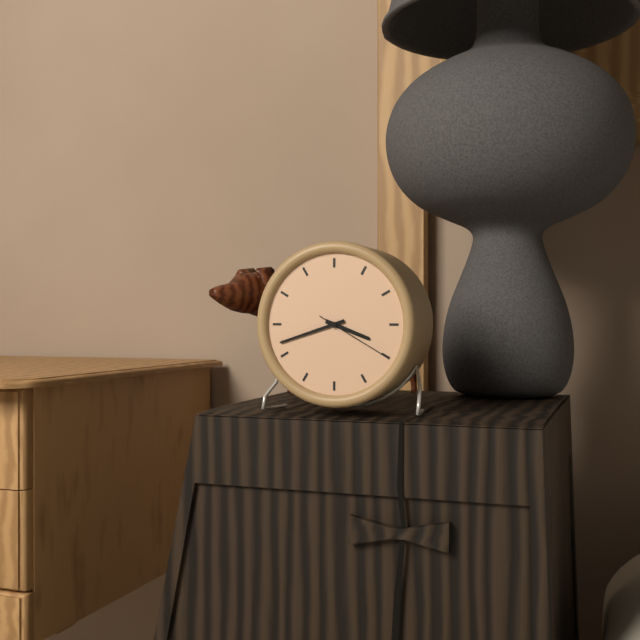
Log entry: {"hour": 3, "minute": 42, "second": 20}
